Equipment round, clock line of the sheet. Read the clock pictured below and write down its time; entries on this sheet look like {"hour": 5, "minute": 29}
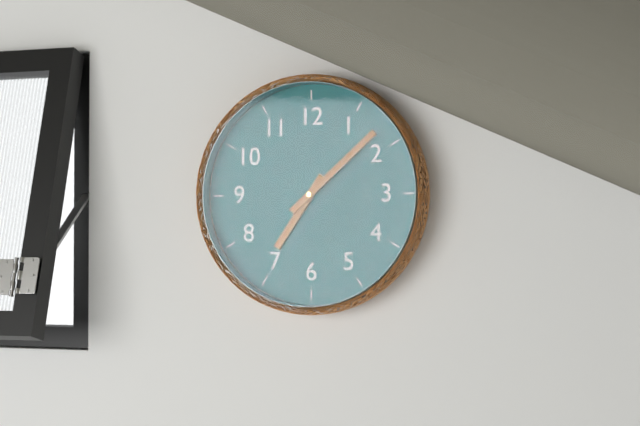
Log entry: {"hour": 7, "minute": 8}
